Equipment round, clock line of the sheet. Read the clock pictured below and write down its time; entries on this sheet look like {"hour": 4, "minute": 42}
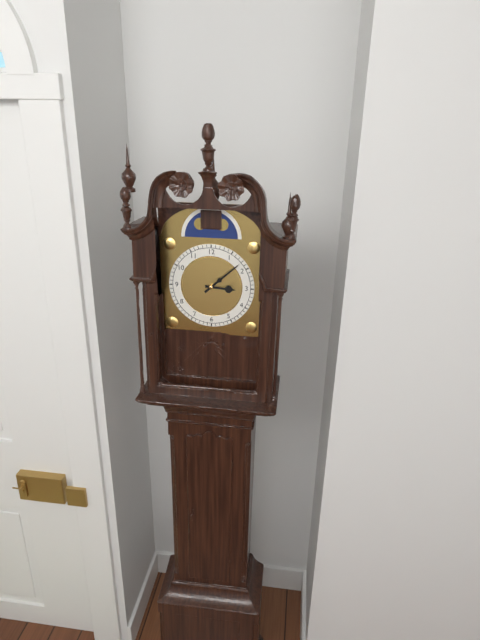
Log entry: {"hour": 3, "minute": 8}
